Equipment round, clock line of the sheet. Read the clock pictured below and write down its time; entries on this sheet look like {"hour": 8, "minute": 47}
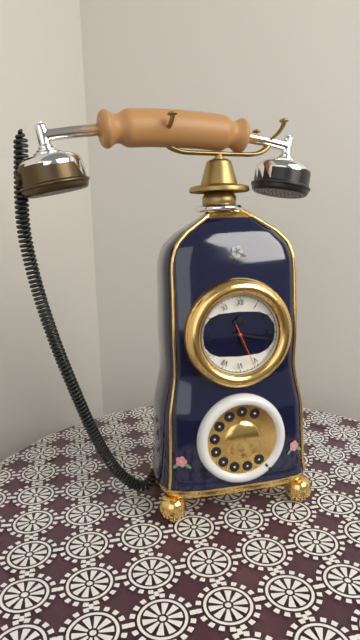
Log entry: {"hour": 5, "minute": 17}
